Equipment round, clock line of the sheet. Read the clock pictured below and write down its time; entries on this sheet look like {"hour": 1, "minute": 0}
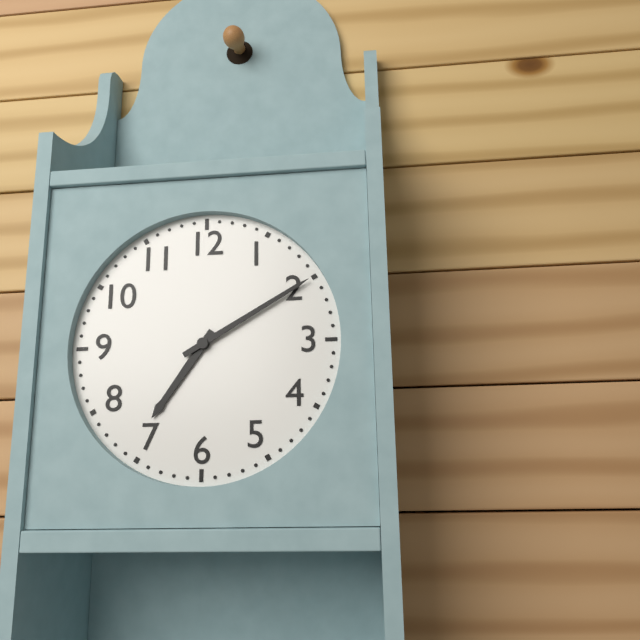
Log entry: {"hour": 7, "minute": 10}
